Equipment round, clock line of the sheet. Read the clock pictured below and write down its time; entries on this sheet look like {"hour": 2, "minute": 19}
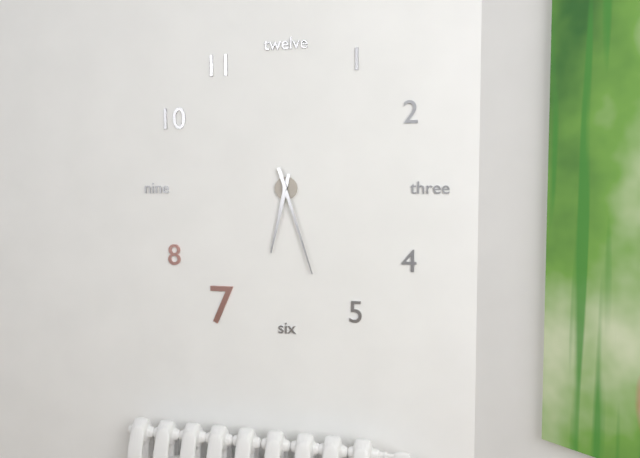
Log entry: {"hour": 6, "minute": 27}
